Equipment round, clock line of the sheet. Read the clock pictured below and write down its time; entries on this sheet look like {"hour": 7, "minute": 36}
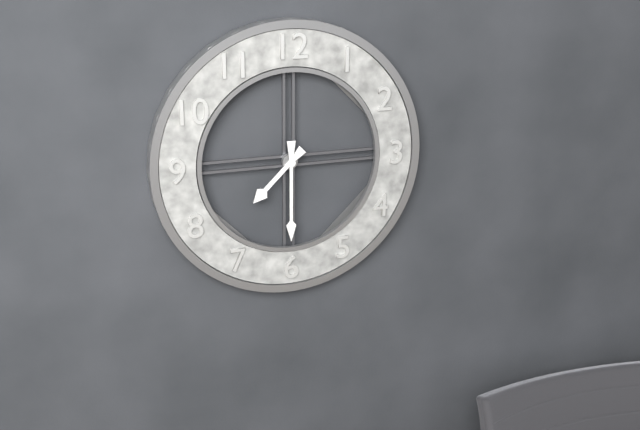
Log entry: {"hour": 7, "minute": 30}
